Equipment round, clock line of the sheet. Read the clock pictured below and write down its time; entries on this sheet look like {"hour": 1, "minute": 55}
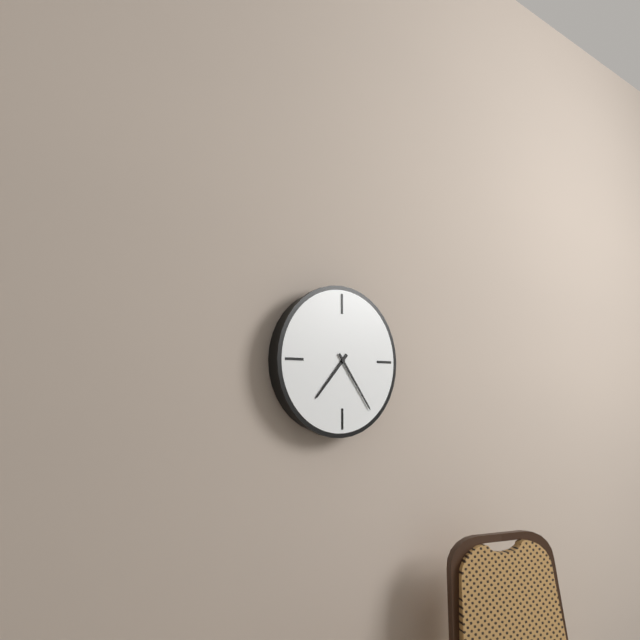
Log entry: {"hour": 7, "minute": 24}
